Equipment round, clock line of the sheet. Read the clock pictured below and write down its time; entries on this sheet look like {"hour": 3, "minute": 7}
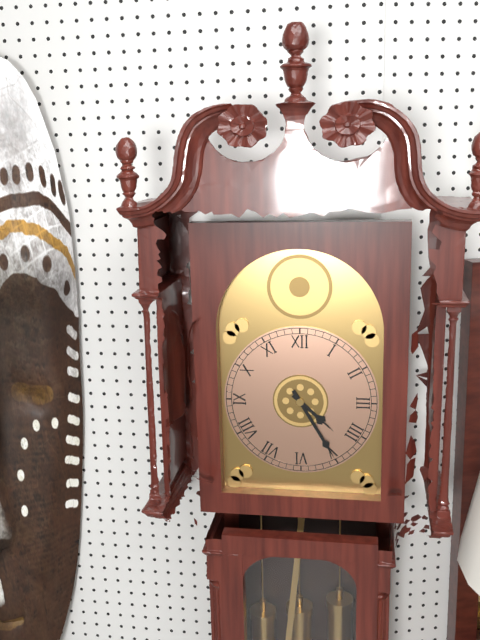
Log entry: {"hour": 4, "minute": 25}
